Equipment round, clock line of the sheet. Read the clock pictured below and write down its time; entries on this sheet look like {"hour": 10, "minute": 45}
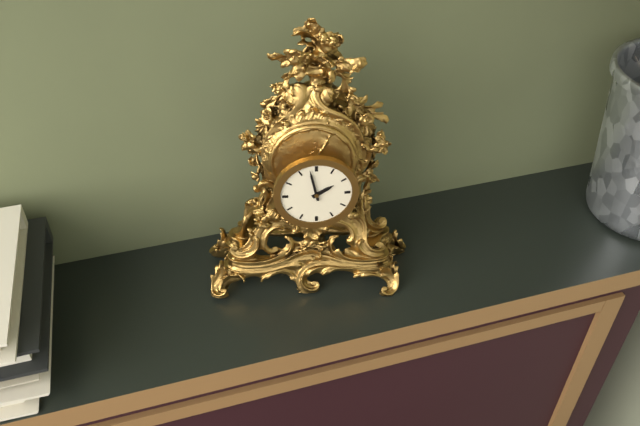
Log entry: {"hour": 1, "minute": 58}
